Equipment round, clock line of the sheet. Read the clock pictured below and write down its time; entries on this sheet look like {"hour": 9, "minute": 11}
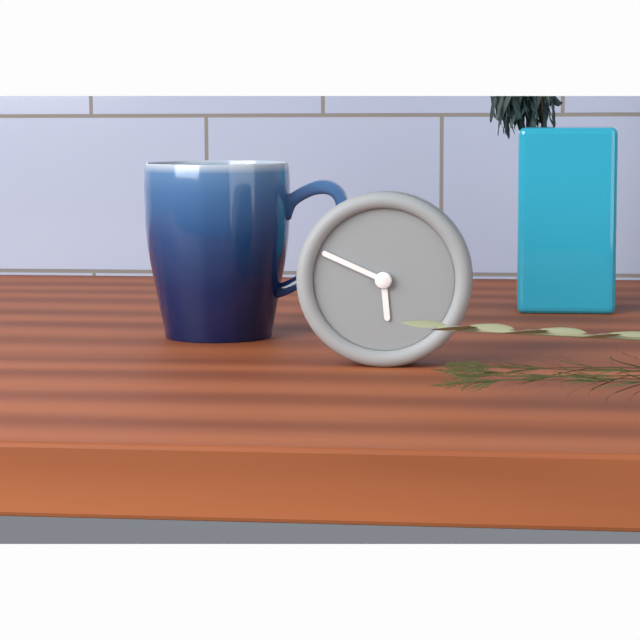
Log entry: {"hour": 5, "minute": 49}
